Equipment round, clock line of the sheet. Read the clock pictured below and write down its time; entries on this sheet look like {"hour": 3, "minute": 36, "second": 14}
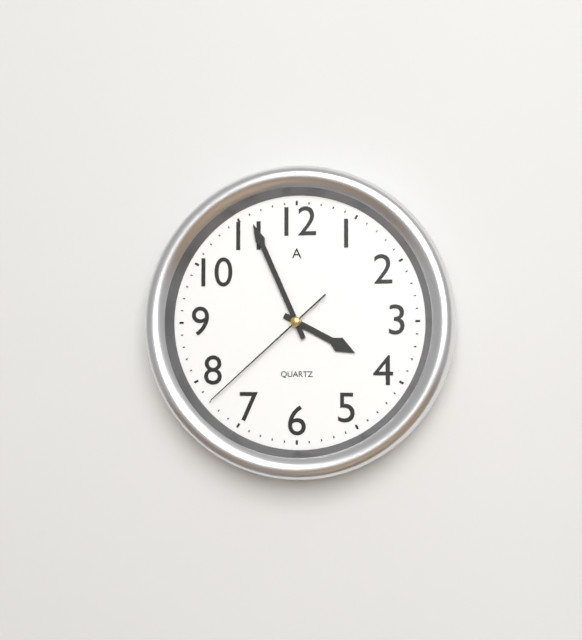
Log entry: {"hour": 3, "minute": 56, "second": 38}
